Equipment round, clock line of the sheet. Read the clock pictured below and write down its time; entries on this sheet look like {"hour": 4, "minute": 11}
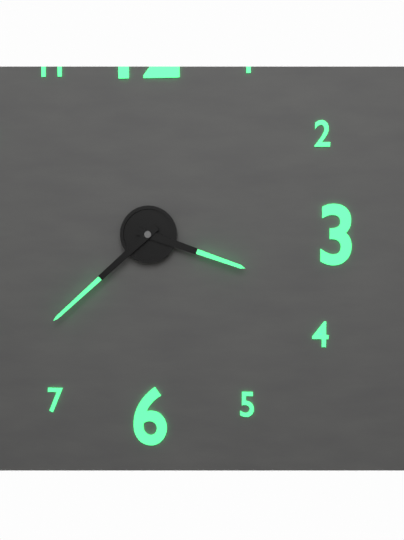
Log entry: {"hour": 3, "minute": 38}
